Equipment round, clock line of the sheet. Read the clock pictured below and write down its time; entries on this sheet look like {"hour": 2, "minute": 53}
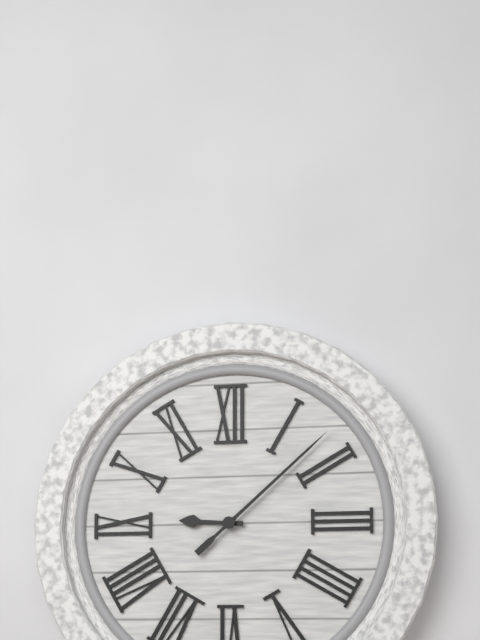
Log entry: {"hour": 9, "minute": 8}
